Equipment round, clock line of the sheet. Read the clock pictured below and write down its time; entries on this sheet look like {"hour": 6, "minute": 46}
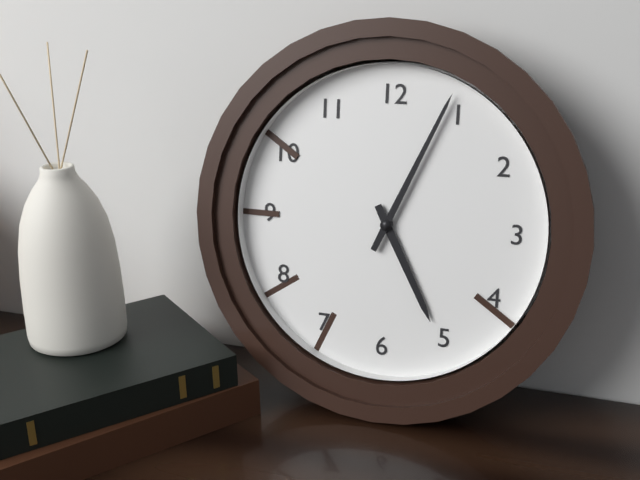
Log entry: {"hour": 5, "minute": 4}
